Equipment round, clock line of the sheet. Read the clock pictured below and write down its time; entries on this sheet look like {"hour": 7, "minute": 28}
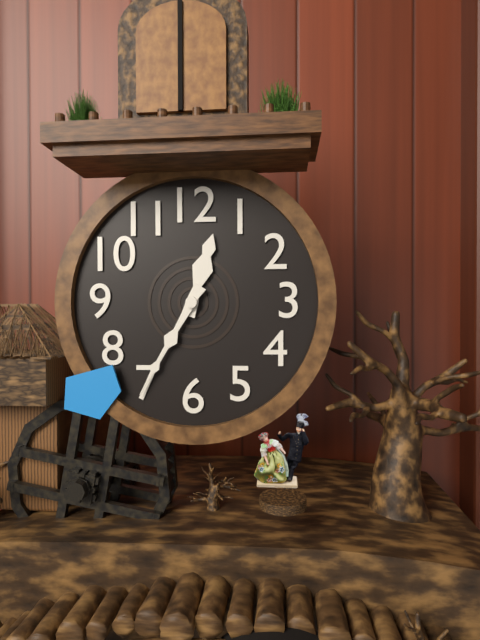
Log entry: {"hour": 12, "minute": 35}
